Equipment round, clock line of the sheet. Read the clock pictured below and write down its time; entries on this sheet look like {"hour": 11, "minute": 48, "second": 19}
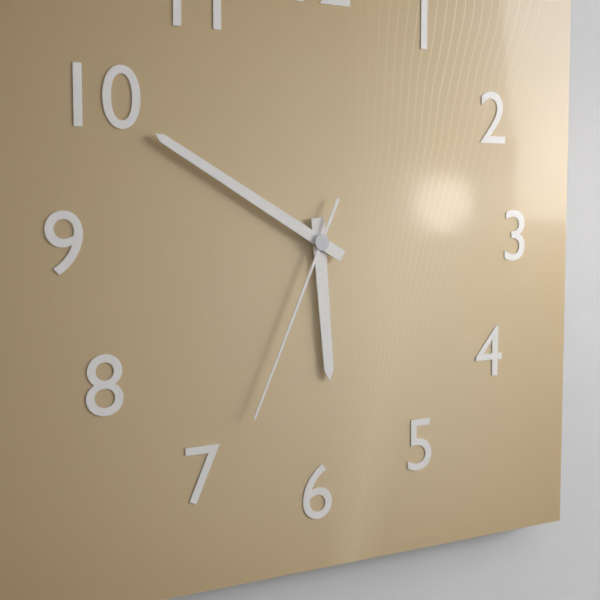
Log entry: {"hour": 5, "minute": 50, "second": 34}
